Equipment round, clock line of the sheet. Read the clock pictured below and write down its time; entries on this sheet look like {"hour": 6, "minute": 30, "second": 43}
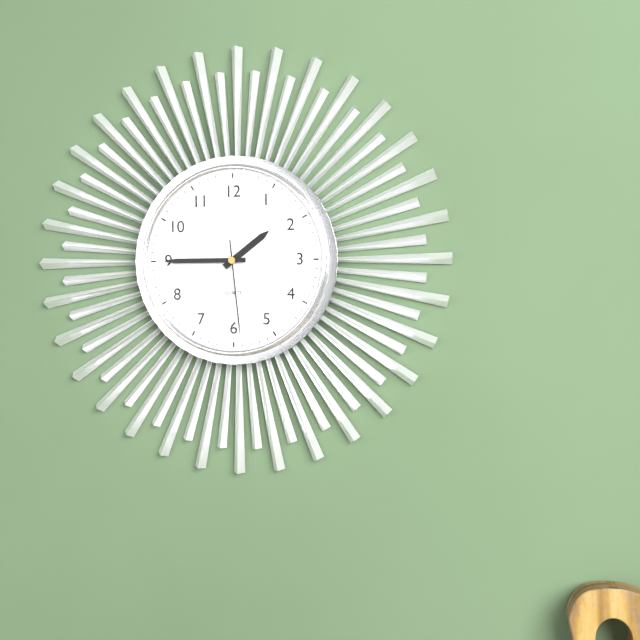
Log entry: {"hour": 1, "minute": 45, "second": 29}
